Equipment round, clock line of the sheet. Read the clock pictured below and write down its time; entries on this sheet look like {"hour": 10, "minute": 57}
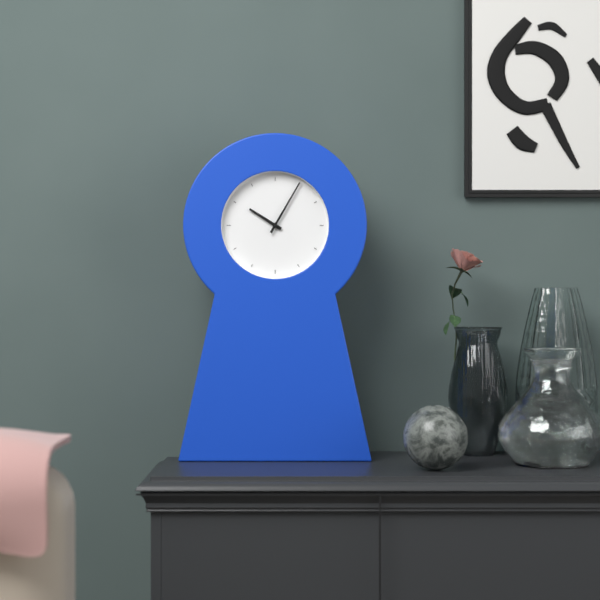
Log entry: {"hour": 10, "minute": 5}
